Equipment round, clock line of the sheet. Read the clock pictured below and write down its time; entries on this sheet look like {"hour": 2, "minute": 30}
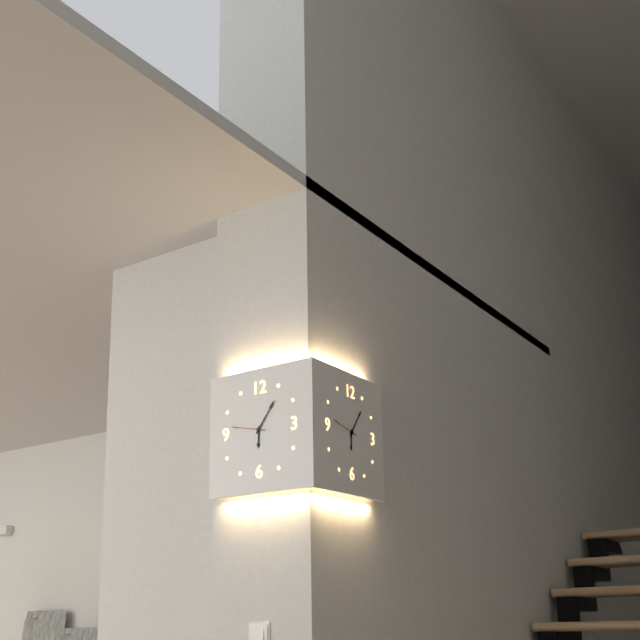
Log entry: {"hour": 6, "minute": 6}
